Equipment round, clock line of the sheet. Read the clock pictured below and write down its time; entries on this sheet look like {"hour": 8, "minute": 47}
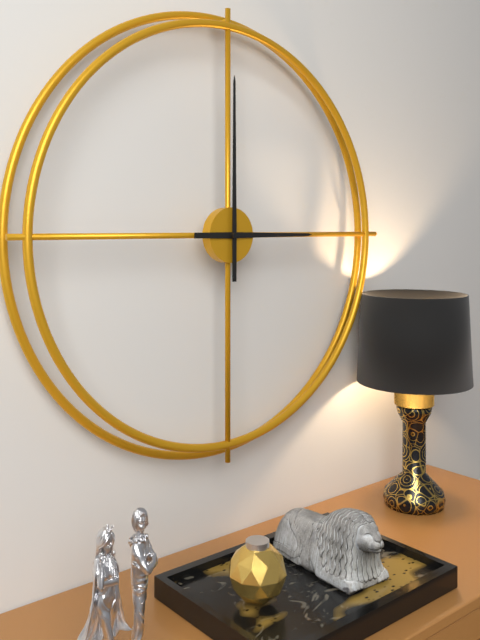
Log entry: {"hour": 3, "minute": 0}
